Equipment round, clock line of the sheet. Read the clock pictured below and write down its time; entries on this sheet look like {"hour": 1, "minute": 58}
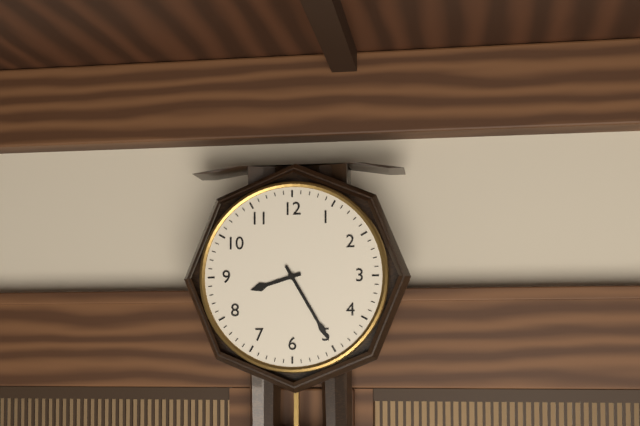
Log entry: {"hour": 8, "minute": 25}
